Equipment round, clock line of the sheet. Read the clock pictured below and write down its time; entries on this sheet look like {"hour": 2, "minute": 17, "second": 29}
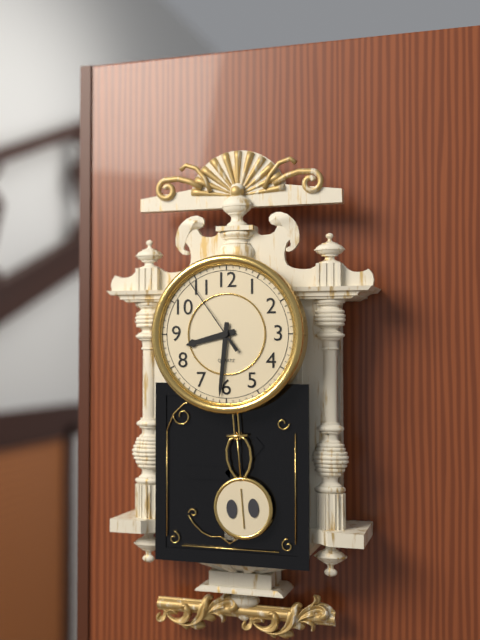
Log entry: {"hour": 8, "minute": 31, "second": 54}
